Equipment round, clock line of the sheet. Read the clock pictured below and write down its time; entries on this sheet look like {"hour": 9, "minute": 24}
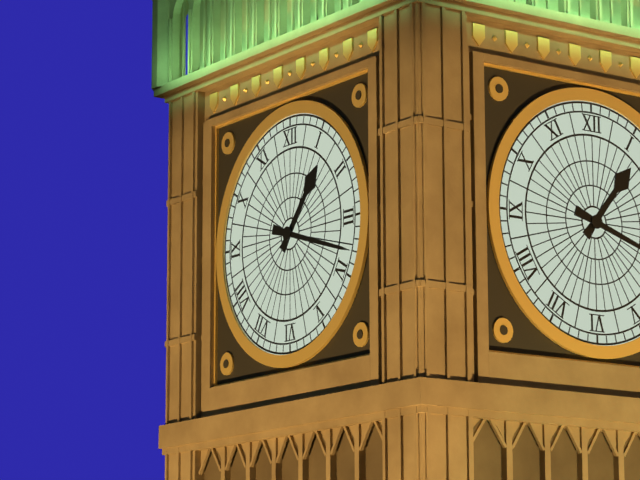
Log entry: {"hour": 1, "minute": 18}
